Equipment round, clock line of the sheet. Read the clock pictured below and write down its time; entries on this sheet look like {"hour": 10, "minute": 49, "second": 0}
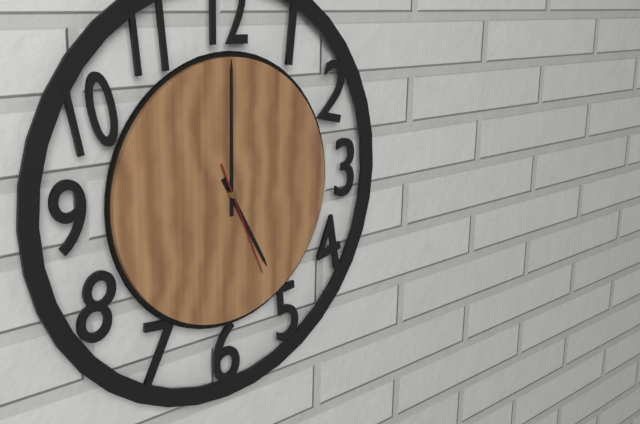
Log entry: {"hour": 5, "minute": 0, "second": 26}
